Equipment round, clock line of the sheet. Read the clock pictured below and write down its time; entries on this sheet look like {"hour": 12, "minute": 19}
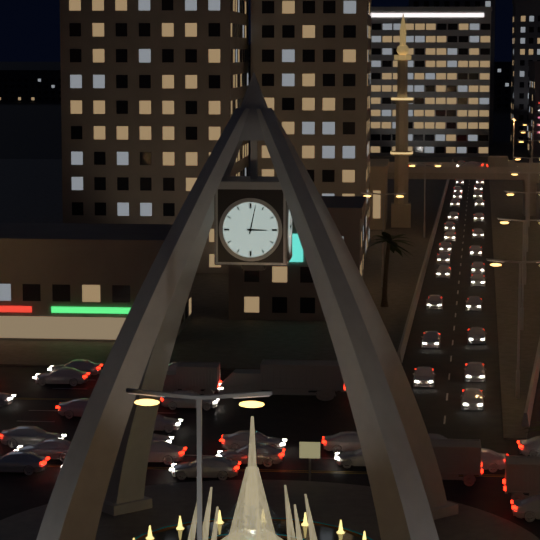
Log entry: {"hour": 3, "minute": 2}
